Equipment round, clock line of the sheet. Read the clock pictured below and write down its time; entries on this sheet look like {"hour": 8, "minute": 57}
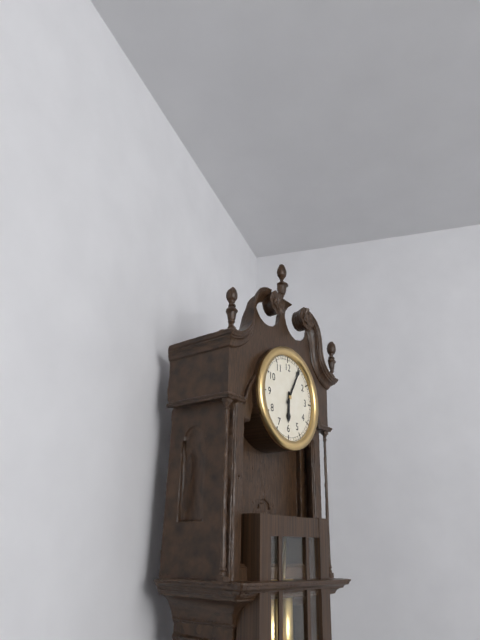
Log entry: {"hour": 6, "minute": 5}
